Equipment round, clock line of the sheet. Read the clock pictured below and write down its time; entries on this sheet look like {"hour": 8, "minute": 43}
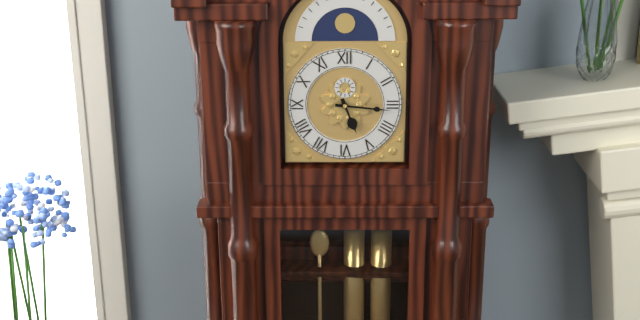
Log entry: {"hour": 5, "minute": 16}
